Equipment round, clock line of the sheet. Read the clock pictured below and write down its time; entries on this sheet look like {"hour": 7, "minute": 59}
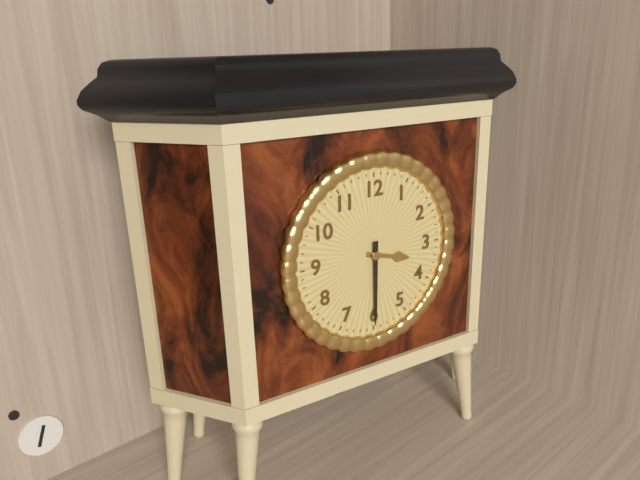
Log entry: {"hour": 3, "minute": 30}
